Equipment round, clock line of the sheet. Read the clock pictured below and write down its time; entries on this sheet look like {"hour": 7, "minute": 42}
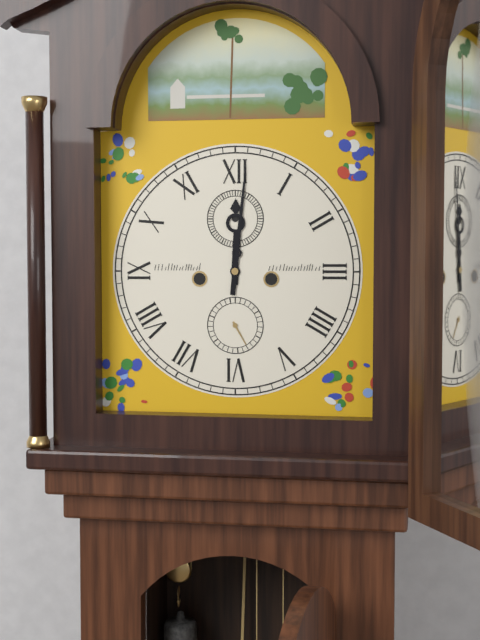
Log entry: {"hour": 12, "minute": 1}
